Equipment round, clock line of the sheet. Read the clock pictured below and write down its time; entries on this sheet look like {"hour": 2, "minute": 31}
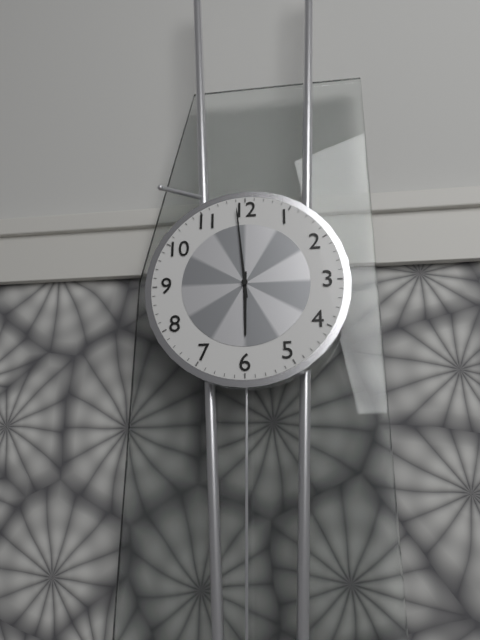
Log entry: {"hour": 5, "minute": 59}
